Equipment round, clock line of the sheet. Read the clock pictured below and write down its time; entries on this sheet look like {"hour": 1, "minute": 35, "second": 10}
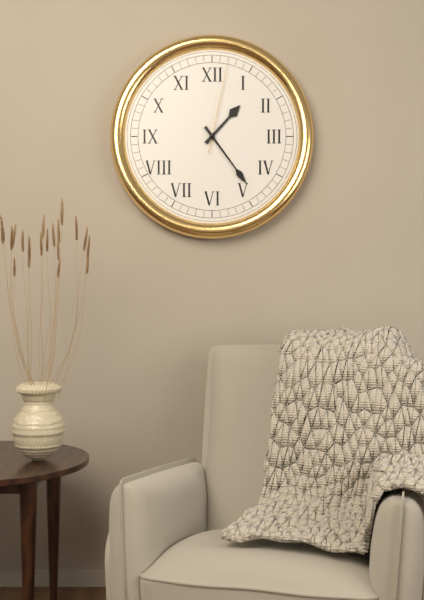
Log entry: {"hour": 1, "minute": 24, "second": 2}
